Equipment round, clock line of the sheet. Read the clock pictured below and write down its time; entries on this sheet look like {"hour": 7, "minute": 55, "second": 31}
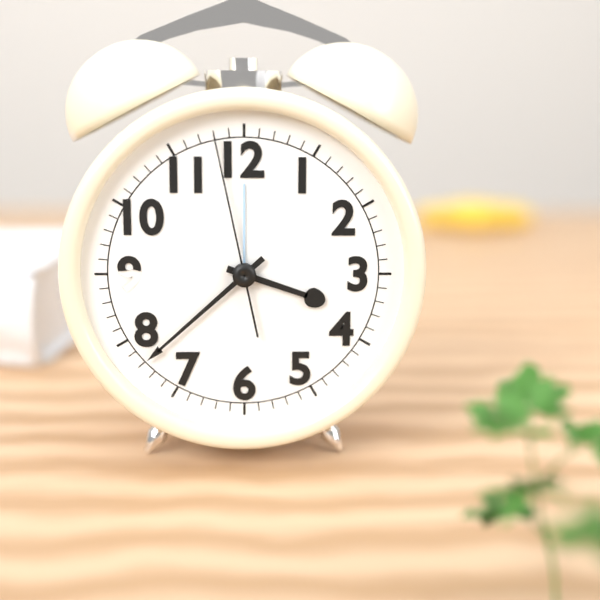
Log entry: {"hour": 3, "minute": 38, "second": 58}
